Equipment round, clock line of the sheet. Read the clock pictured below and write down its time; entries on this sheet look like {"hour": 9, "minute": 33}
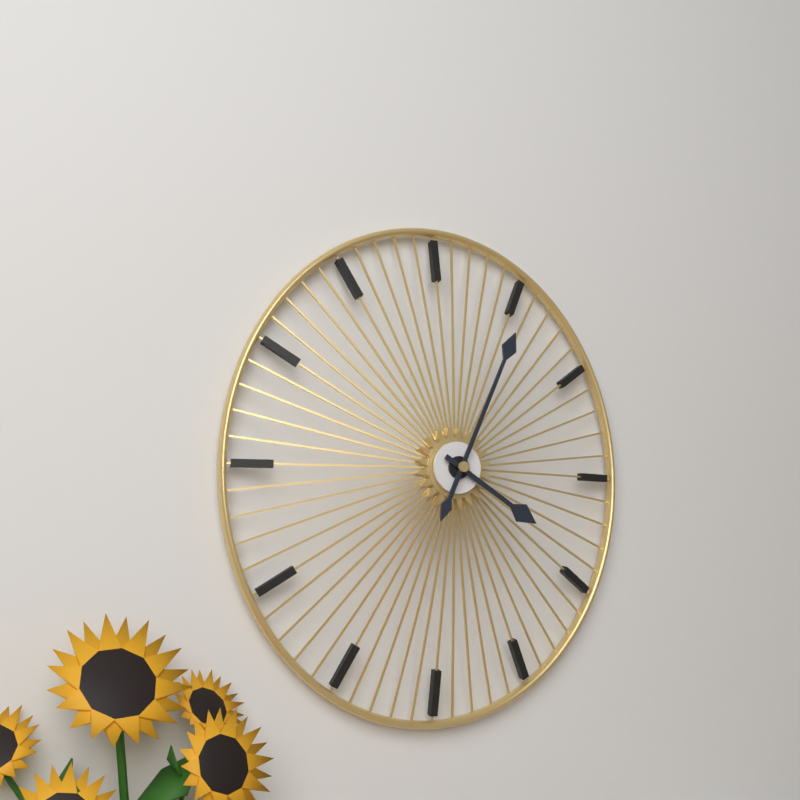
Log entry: {"hour": 4, "minute": 4}
